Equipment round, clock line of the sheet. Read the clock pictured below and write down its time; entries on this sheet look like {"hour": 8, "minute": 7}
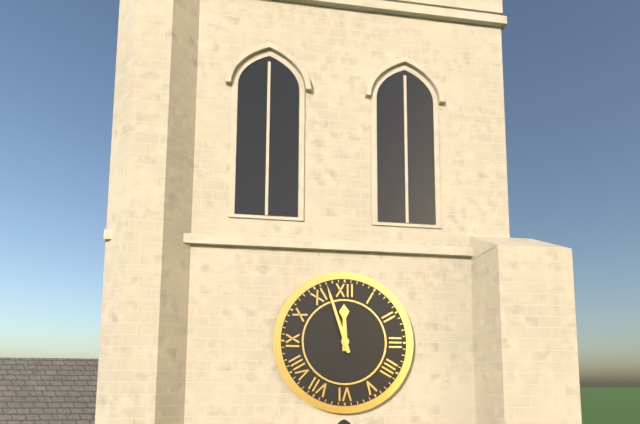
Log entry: {"hour": 11, "minute": 57}
